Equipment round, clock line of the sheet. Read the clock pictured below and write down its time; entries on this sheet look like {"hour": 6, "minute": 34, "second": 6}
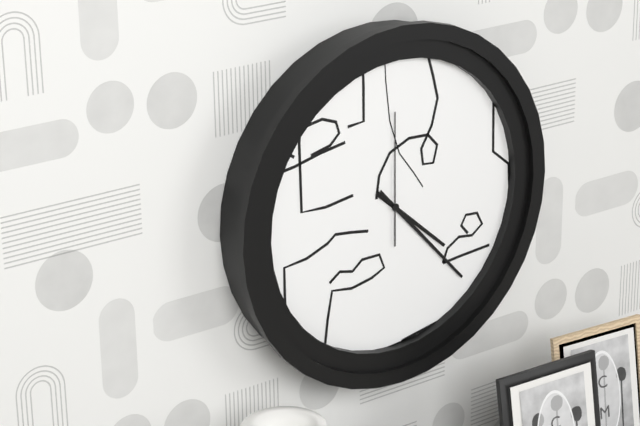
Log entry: {"hour": 4, "minute": 23, "second": 0}
